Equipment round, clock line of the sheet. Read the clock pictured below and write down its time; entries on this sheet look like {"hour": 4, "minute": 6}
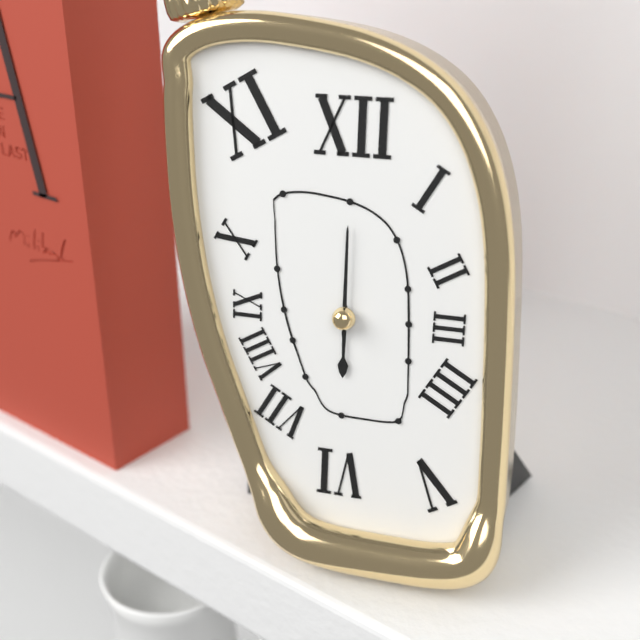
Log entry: {"hour": 6, "minute": 0}
